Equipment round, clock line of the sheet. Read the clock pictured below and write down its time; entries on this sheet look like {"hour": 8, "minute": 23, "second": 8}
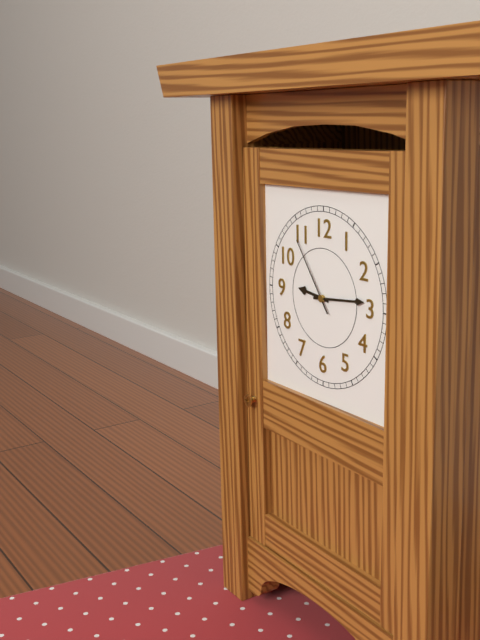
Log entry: {"hour": 9, "minute": 14, "second": 54}
